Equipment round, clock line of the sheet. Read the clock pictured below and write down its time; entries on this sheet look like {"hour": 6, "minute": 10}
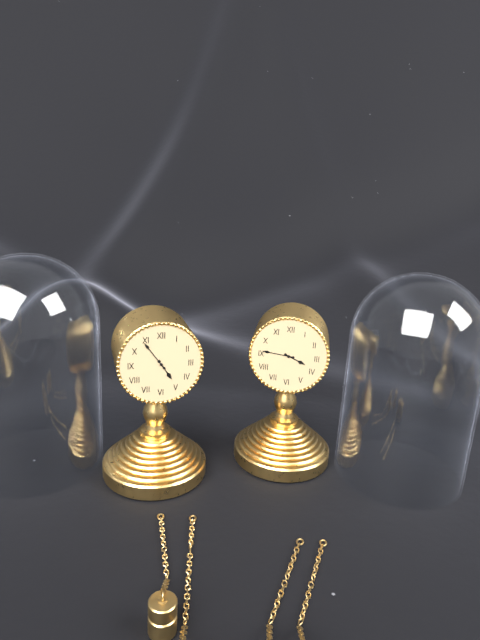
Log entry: {"hour": 4, "minute": 54}
